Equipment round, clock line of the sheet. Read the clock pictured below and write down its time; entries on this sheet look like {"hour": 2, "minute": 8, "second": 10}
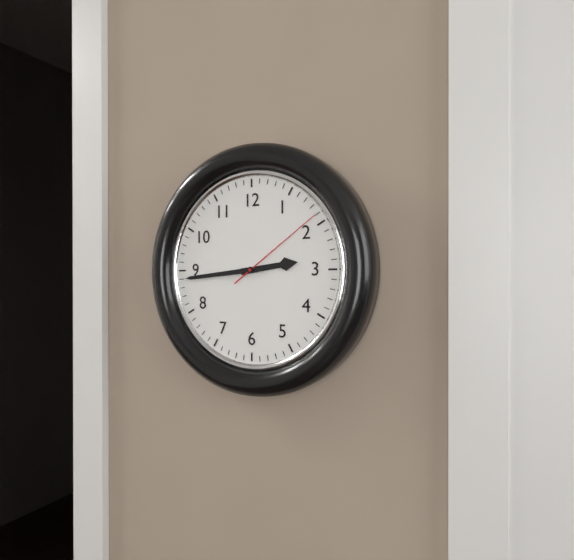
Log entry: {"hour": 2, "minute": 44, "second": 9}
